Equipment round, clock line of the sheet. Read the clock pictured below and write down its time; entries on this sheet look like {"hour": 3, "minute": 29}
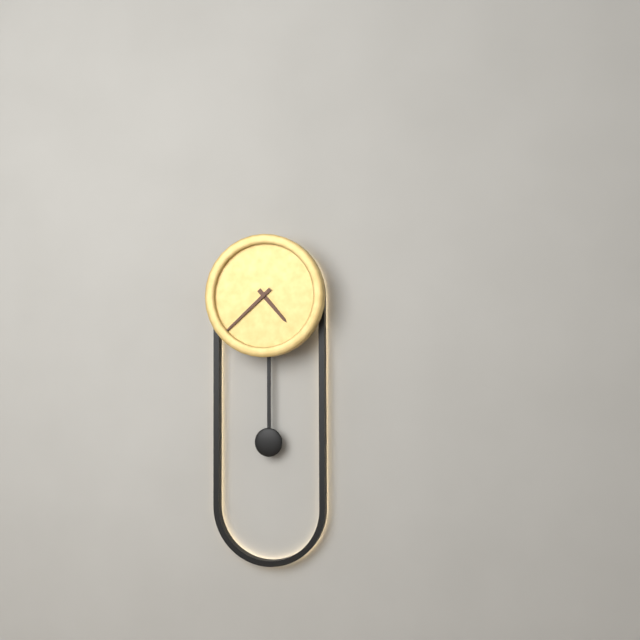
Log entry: {"hour": 4, "minute": 38}
